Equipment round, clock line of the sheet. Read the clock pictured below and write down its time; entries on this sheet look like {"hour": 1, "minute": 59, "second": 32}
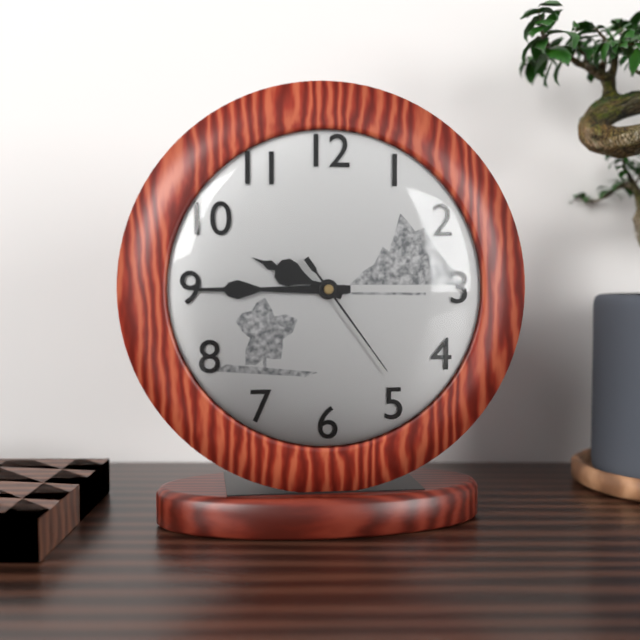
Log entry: {"hour": 9, "minute": 45, "second": 24}
